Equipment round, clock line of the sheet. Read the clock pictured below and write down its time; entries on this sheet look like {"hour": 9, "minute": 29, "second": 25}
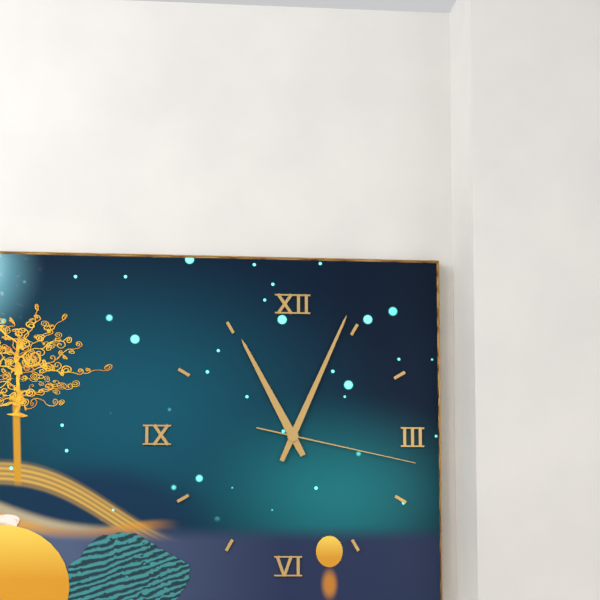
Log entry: {"hour": 11, "minute": 4, "second": 17}
